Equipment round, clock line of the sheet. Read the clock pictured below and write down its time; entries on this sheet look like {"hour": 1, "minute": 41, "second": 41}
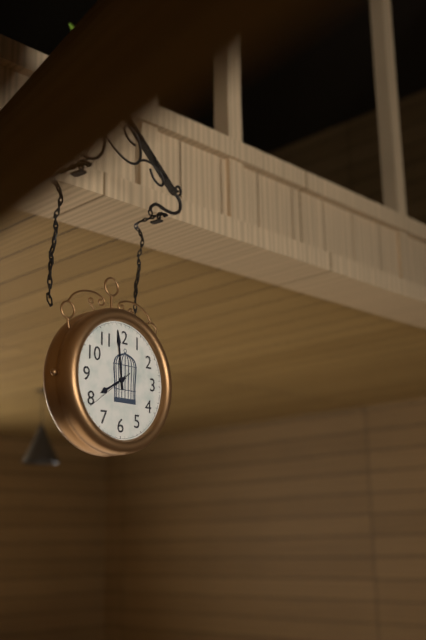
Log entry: {"hour": 7, "minute": 59, "second": 39}
